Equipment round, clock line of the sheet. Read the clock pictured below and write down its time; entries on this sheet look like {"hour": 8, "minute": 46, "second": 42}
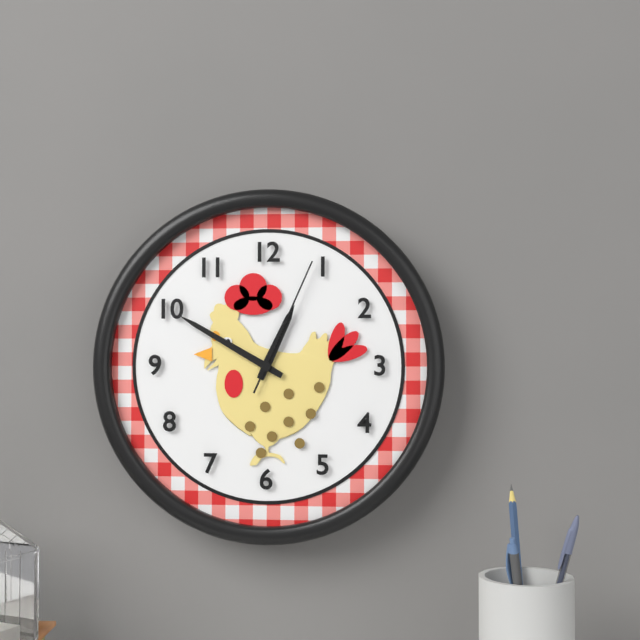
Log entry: {"hour": 12, "minute": 50, "second": 4}
